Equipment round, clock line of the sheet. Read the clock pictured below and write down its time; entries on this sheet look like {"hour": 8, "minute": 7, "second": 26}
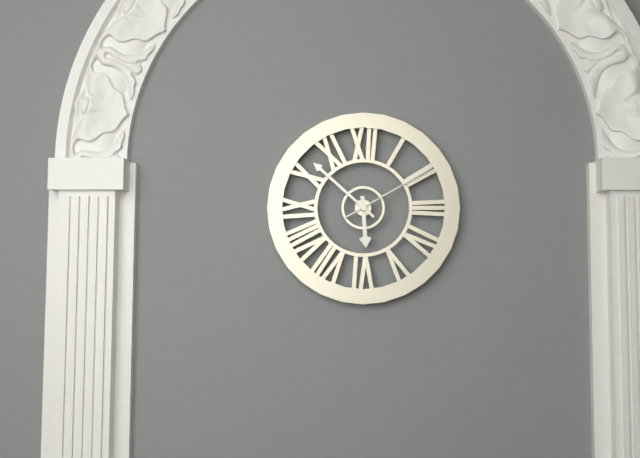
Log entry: {"hour": 5, "minute": 52, "second": 10}
